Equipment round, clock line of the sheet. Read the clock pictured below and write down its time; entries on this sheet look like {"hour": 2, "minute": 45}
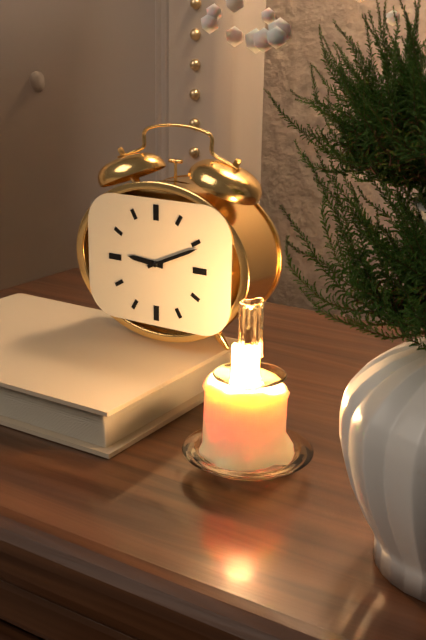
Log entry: {"hour": 9, "minute": 11}
